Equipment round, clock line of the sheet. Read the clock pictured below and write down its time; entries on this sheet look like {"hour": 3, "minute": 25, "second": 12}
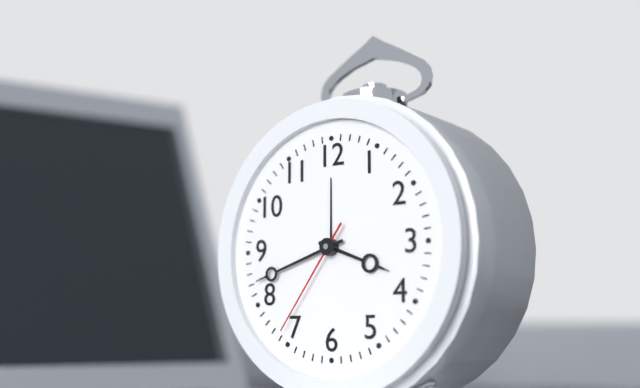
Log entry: {"hour": 3, "minute": 42, "second": 36}
